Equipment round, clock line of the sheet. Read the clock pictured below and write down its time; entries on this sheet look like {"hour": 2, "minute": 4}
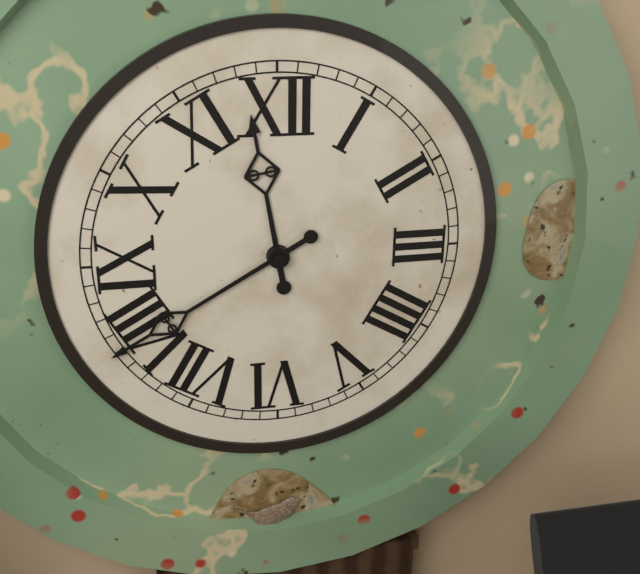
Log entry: {"hour": 11, "minute": 40}
